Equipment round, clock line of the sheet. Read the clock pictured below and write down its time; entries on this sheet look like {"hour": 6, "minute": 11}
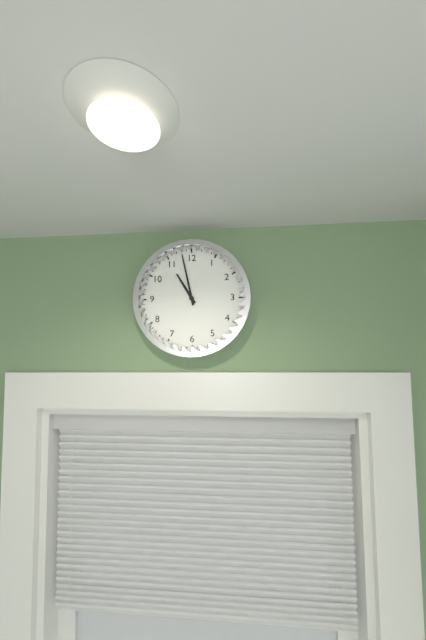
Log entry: {"hour": 10, "minute": 58}
